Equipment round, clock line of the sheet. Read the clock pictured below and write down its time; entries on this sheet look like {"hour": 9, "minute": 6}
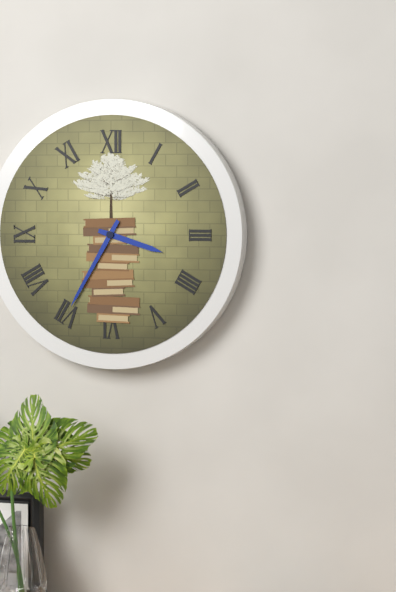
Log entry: {"hour": 3, "minute": 35}
